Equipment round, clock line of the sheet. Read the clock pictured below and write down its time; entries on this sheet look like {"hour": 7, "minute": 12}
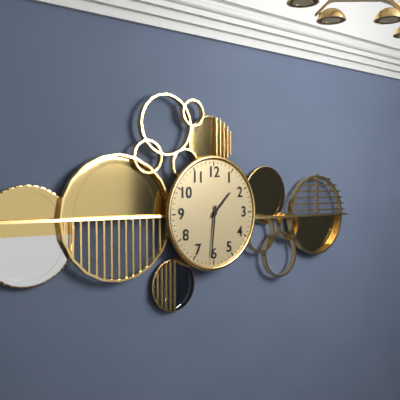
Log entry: {"hour": 1, "minute": 31}
